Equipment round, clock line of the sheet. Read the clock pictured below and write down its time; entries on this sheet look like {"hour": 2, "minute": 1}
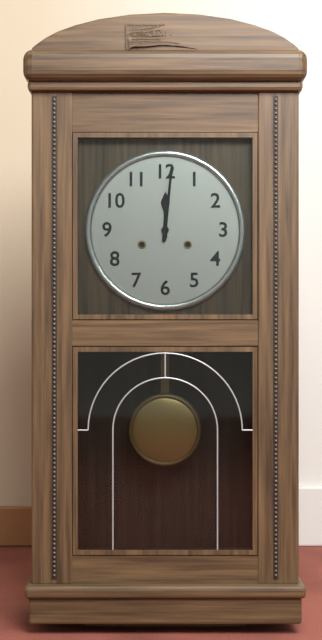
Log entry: {"hour": 12, "minute": 1}
